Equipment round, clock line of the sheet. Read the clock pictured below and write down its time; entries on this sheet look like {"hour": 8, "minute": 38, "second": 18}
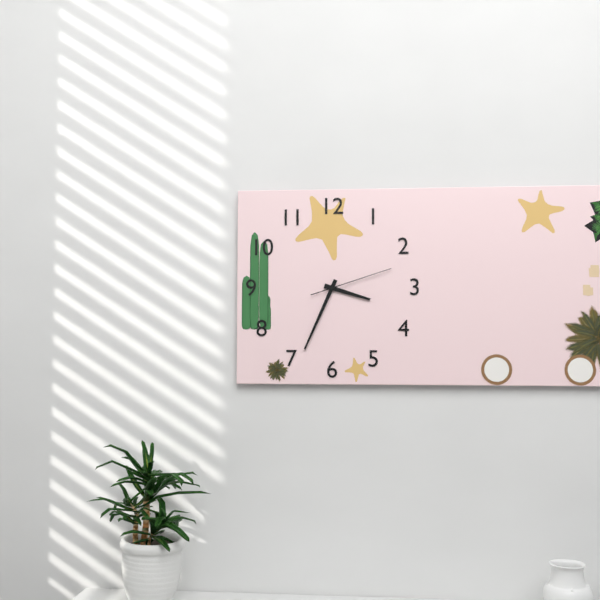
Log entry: {"hour": 3, "minute": 34, "second": 12}
